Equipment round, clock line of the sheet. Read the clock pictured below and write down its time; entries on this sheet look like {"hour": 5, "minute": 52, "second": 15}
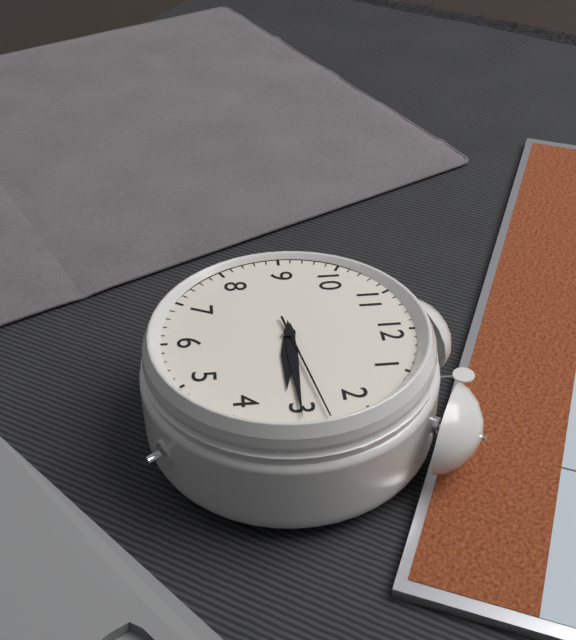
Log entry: {"hour": 3, "minute": 15, "second": 13}
